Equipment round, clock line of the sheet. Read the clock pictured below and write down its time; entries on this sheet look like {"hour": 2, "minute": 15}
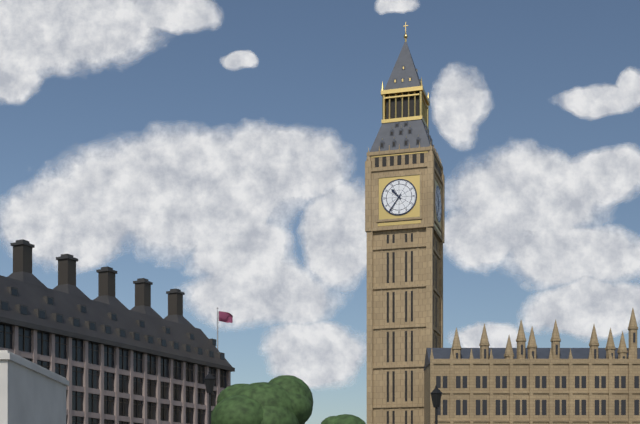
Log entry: {"hour": 10, "minute": 36}
